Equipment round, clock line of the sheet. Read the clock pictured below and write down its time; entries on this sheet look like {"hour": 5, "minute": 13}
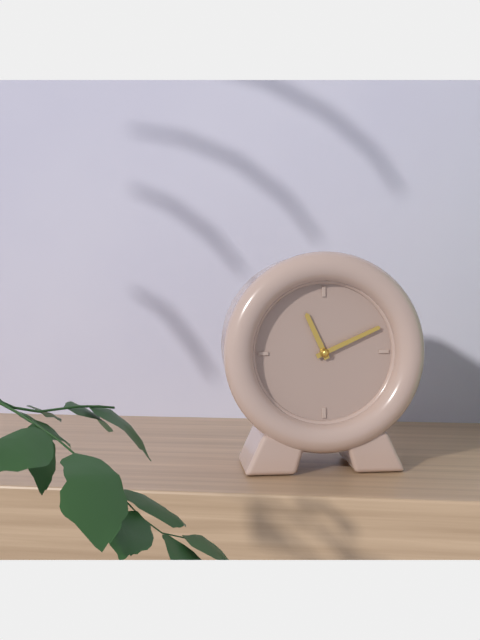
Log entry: {"hour": 11, "minute": 11}
